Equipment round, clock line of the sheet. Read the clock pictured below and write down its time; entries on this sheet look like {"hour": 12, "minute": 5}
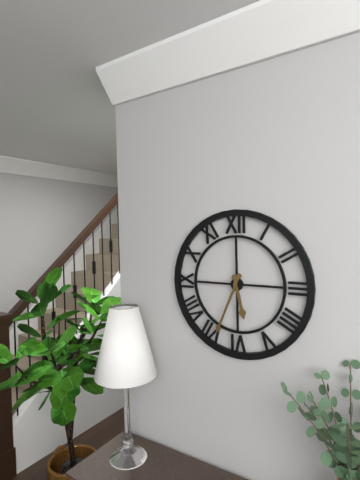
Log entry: {"hour": 5, "minute": 34}
